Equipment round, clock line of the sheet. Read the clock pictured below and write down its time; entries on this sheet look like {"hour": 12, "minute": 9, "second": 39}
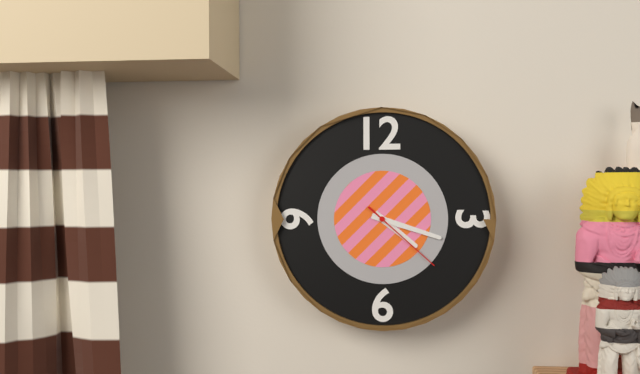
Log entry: {"hour": 4, "minute": 18, "second": 22}
